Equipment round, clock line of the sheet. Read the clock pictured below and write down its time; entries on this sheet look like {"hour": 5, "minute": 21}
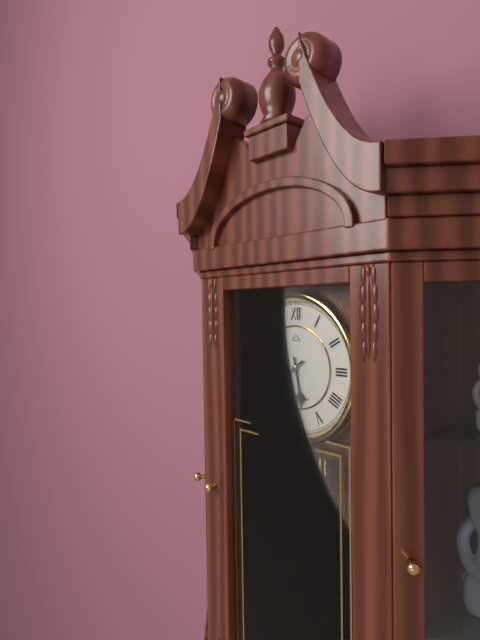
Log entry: {"hour": 5, "minute": 39}
